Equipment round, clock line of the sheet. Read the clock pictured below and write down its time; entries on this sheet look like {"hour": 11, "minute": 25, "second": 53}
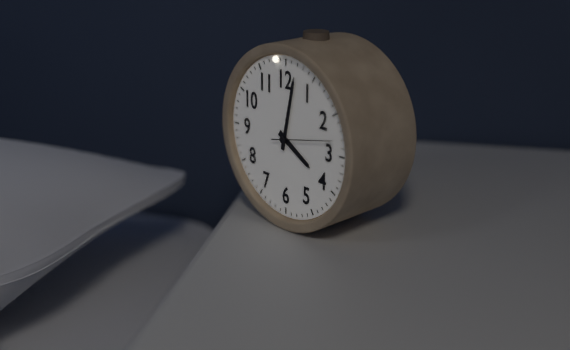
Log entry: {"hour": 4, "minute": 2, "second": 13}
